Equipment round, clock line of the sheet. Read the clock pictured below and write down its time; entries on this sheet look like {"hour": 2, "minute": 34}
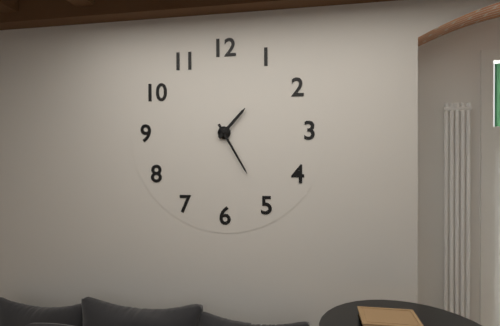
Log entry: {"hour": 1, "minute": 25}
